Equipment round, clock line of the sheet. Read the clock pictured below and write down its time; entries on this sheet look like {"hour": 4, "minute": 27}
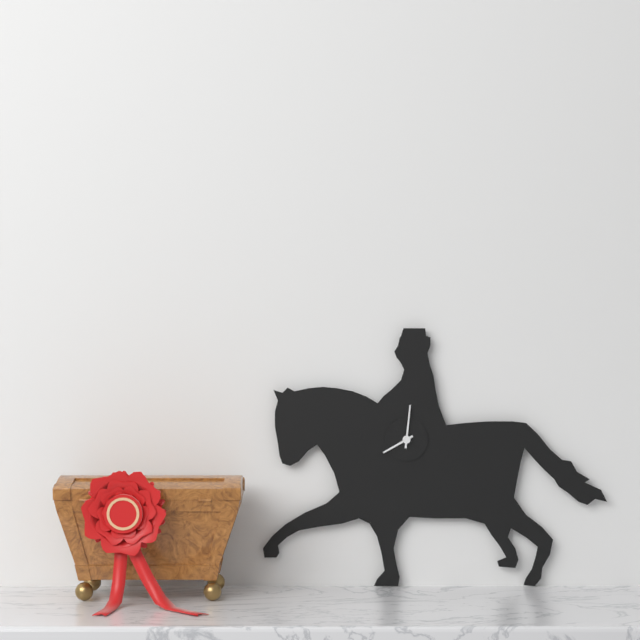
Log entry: {"hour": 8, "minute": 1}
